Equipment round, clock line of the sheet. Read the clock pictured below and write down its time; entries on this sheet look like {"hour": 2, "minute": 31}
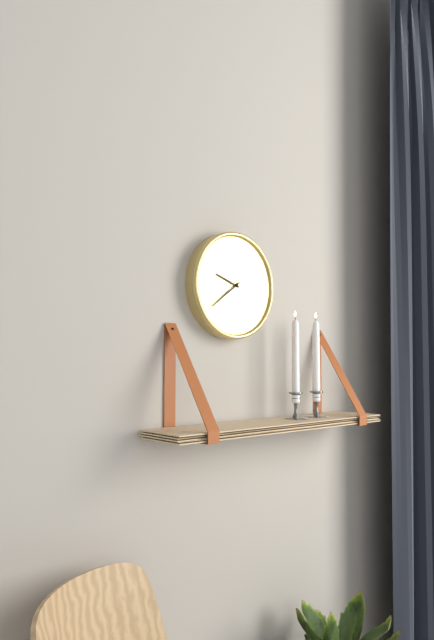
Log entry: {"hour": 9, "minute": 39}
